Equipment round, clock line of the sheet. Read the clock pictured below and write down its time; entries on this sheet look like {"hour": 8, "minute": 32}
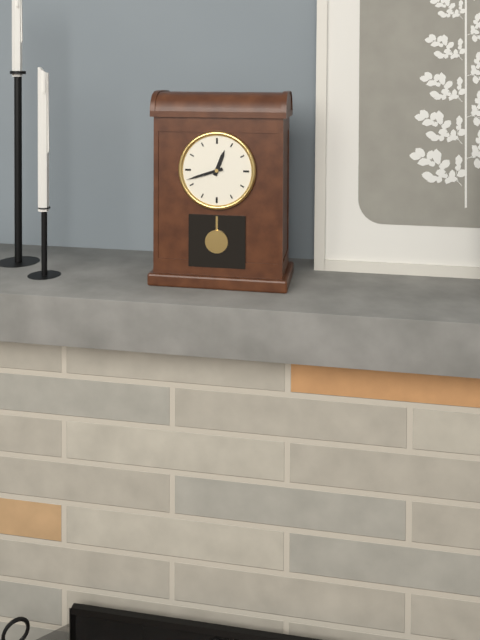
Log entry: {"hour": 12, "minute": 42}
